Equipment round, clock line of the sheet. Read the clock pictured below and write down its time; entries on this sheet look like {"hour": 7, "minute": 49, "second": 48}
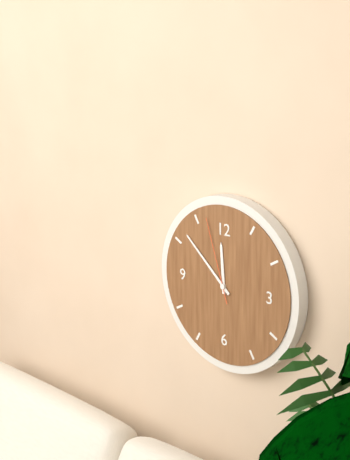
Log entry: {"hour": 11, "minute": 52, "second": 57}
